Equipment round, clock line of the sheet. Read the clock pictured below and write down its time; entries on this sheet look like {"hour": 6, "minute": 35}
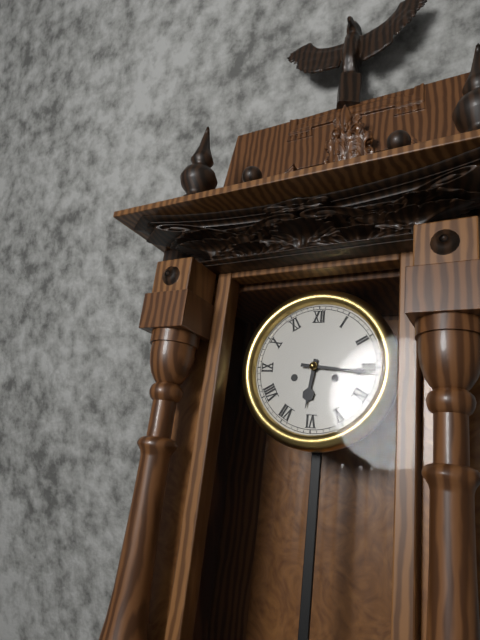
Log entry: {"hour": 6, "minute": 16}
